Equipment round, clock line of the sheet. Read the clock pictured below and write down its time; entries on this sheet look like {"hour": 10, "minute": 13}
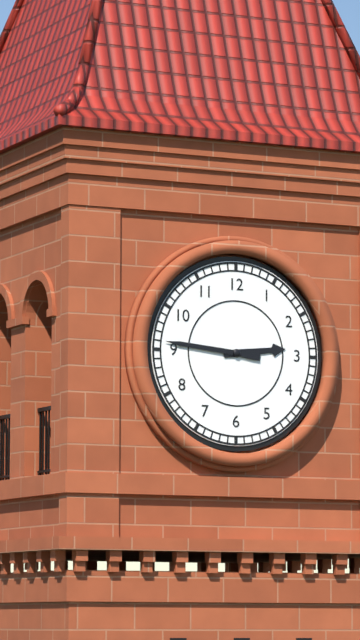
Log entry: {"hour": 2, "minute": 46}
